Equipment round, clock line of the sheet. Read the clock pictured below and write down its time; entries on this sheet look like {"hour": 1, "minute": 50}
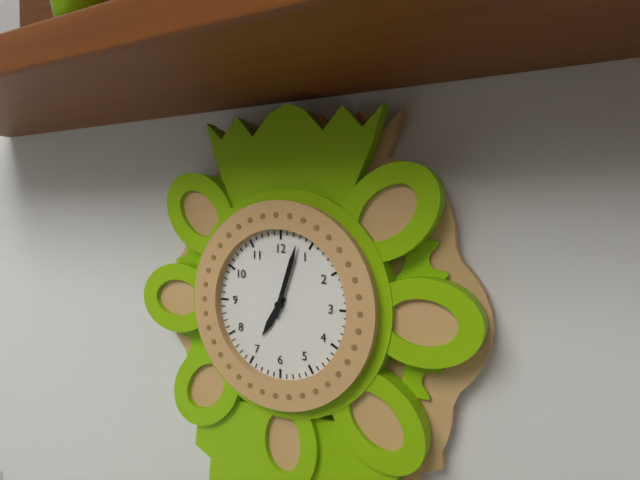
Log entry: {"hour": 7, "minute": 3}
